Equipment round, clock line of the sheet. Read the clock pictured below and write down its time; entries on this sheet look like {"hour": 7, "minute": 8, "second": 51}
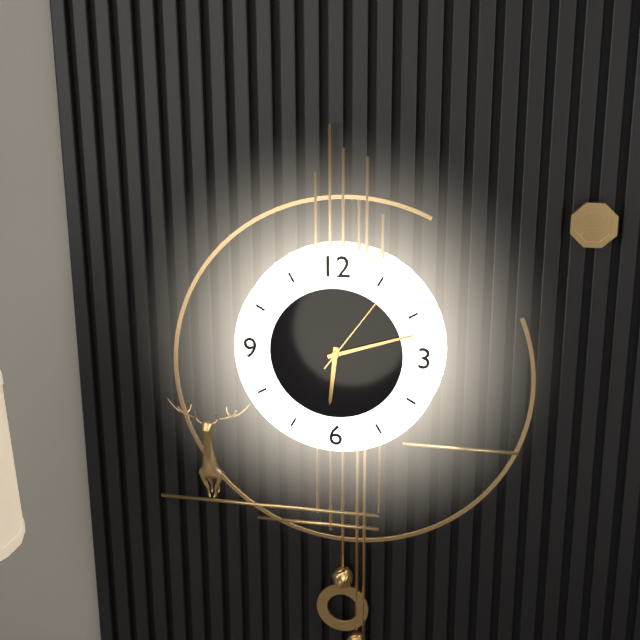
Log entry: {"hour": 6, "minute": 12, "second": 6}
